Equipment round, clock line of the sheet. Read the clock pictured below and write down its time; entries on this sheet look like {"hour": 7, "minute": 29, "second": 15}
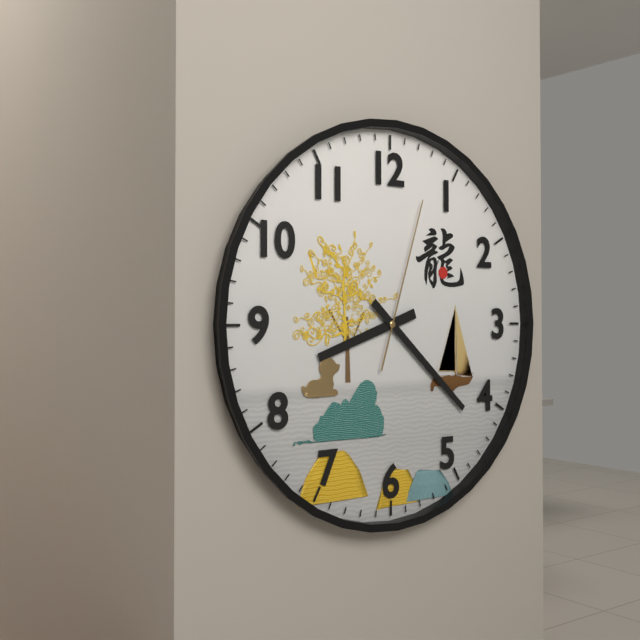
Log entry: {"hour": 8, "minute": 22, "second": 3}
